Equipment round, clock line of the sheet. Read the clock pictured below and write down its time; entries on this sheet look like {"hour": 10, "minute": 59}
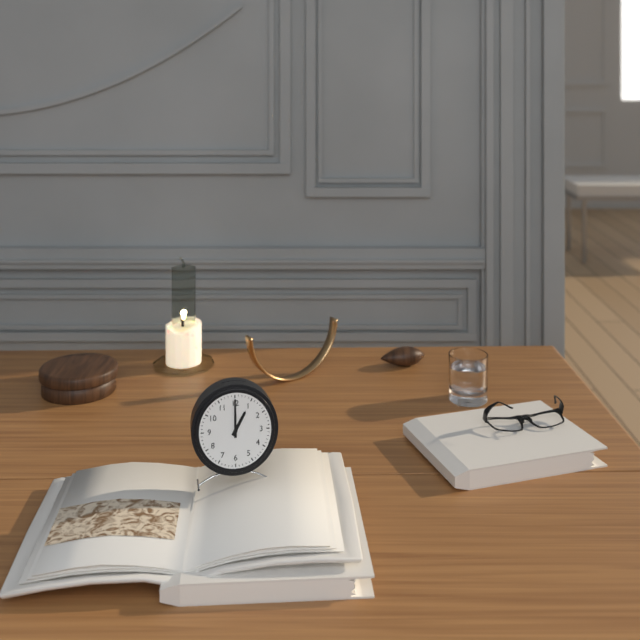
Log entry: {"hour": 1, "minute": 0}
